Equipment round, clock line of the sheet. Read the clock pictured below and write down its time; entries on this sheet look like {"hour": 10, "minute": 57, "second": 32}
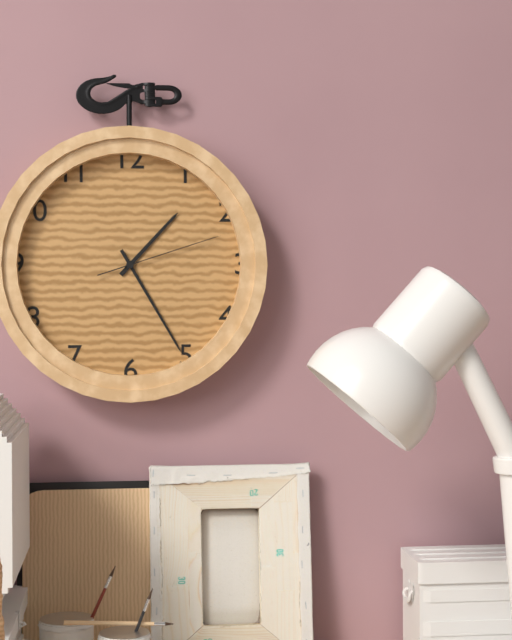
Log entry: {"hour": 1, "minute": 25, "second": 12}
